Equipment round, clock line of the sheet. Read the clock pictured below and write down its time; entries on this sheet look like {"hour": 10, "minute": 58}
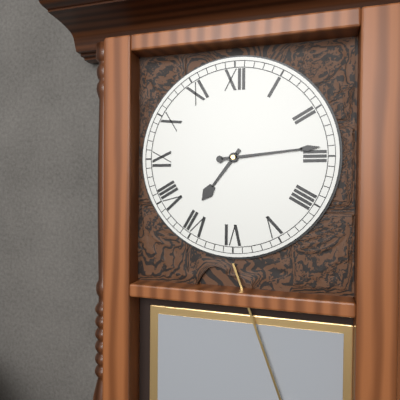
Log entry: {"hour": 7, "minute": 14}
